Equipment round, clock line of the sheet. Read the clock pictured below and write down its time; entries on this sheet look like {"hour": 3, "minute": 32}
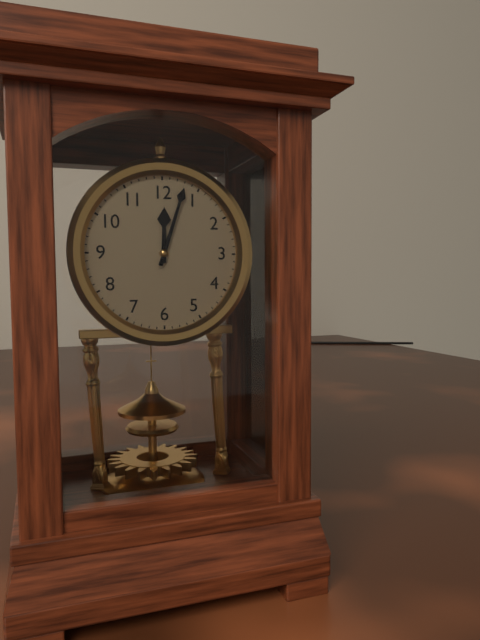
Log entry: {"hour": 12, "minute": 3}
